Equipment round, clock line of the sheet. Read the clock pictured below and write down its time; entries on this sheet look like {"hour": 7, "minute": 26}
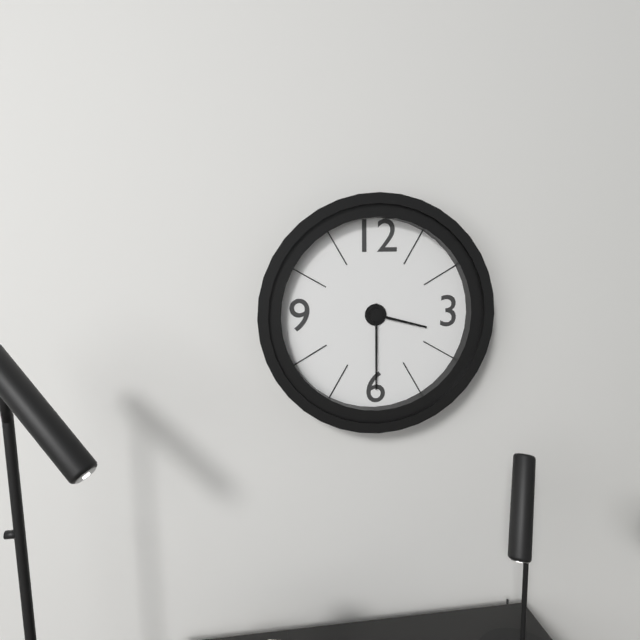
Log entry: {"hour": 3, "minute": 30}
